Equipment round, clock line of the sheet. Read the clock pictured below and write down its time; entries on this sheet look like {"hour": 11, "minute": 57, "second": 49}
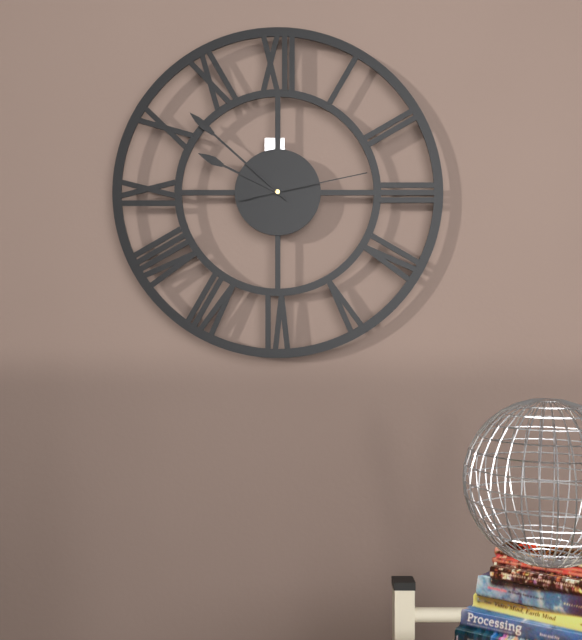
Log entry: {"hour": 9, "minute": 52, "second": 13}
